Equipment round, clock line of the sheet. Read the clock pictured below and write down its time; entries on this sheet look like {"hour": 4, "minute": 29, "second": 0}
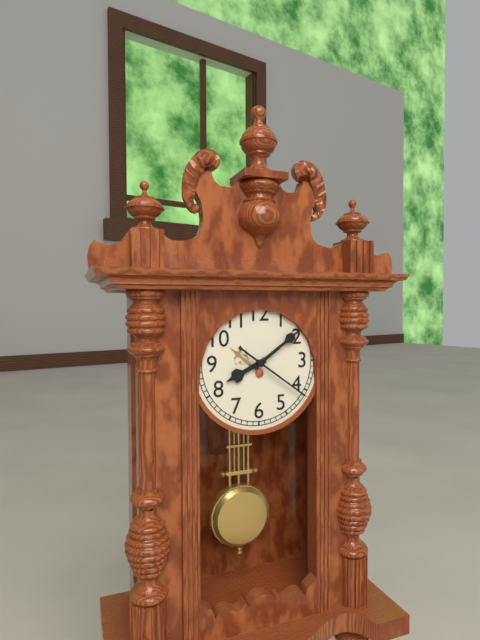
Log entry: {"hour": 8, "minute": 9, "second": 21}
